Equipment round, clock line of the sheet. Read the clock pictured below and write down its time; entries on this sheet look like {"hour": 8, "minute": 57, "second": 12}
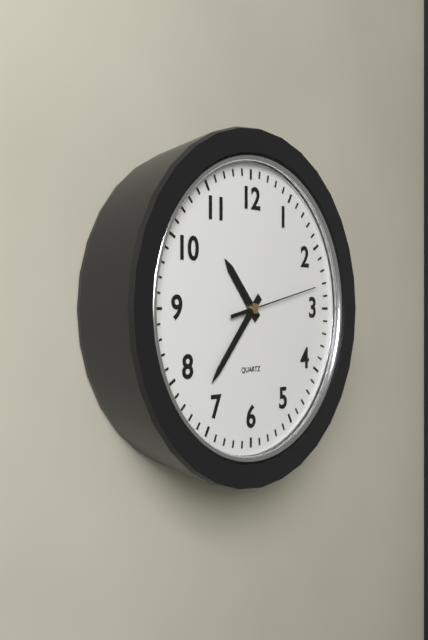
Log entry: {"hour": 10, "minute": 37, "second": 13}
